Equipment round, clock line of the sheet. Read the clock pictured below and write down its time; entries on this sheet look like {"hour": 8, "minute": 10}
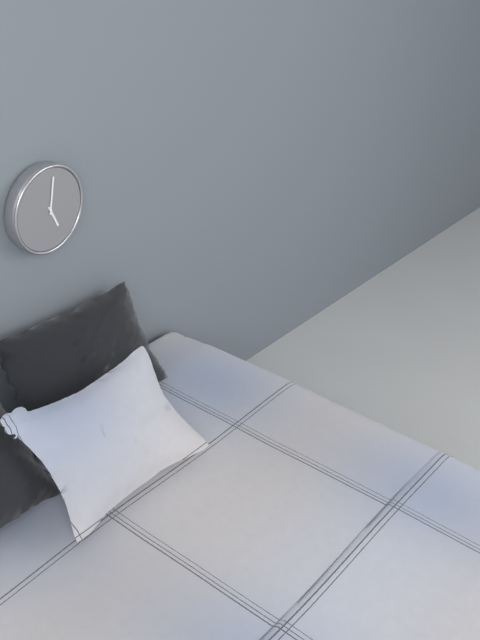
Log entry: {"hour": 5, "minute": 1}
